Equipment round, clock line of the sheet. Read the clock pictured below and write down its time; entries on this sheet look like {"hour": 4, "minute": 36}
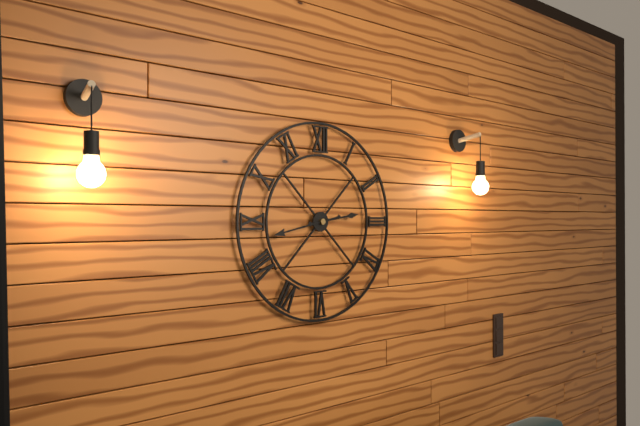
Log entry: {"hour": 2, "minute": 43}
